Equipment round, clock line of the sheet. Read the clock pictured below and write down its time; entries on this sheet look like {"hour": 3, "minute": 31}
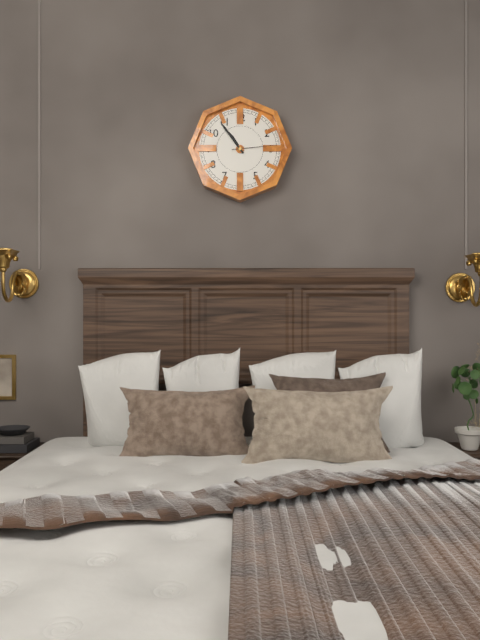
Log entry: {"hour": 10, "minute": 54}
